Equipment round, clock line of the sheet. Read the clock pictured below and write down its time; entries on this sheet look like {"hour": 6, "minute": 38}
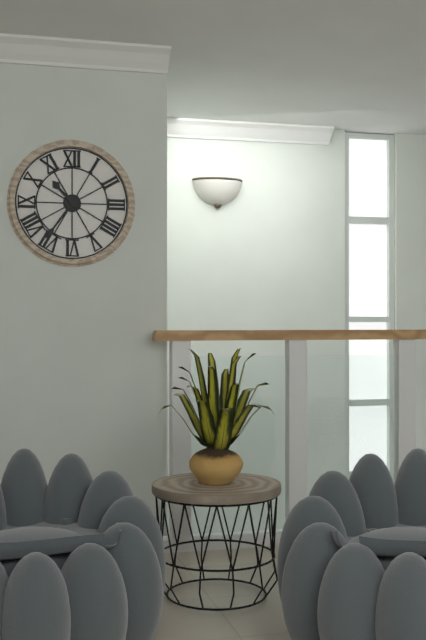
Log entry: {"hour": 10, "minute": 36}
